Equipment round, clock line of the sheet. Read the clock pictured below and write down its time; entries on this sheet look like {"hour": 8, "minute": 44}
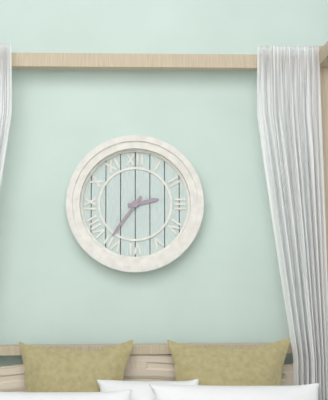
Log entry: {"hour": 2, "minute": 36}
